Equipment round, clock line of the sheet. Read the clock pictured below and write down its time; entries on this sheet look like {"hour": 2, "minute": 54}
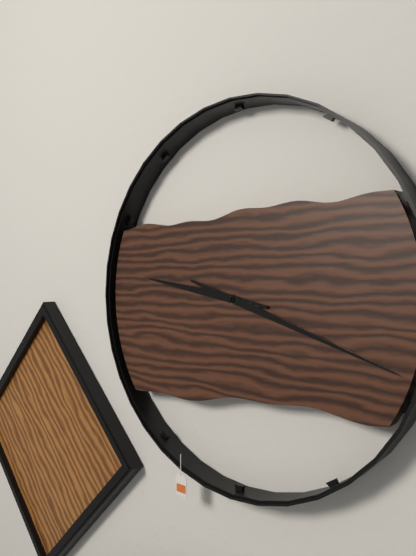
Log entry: {"hour": 9, "minute": 18}
